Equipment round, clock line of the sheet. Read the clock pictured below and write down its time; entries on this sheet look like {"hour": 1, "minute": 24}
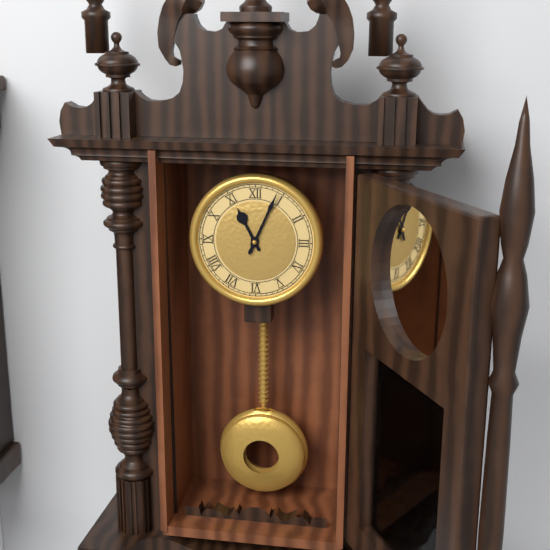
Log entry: {"hour": 11, "minute": 4}
